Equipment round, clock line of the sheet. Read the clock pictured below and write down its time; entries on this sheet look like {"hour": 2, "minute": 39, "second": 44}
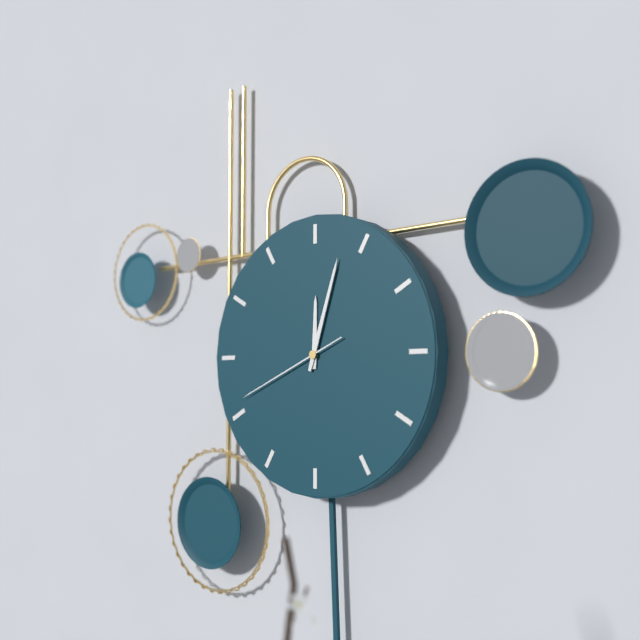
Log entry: {"hour": 12, "minute": 3, "second": 41}
